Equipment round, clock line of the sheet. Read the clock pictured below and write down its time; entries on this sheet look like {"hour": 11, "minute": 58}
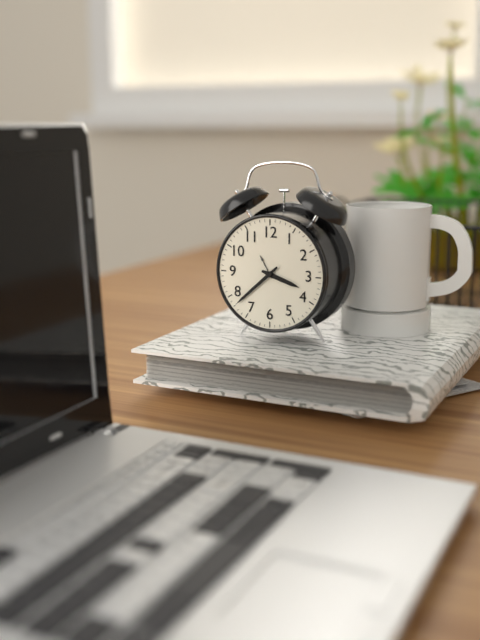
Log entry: {"hour": 3, "minute": 38}
